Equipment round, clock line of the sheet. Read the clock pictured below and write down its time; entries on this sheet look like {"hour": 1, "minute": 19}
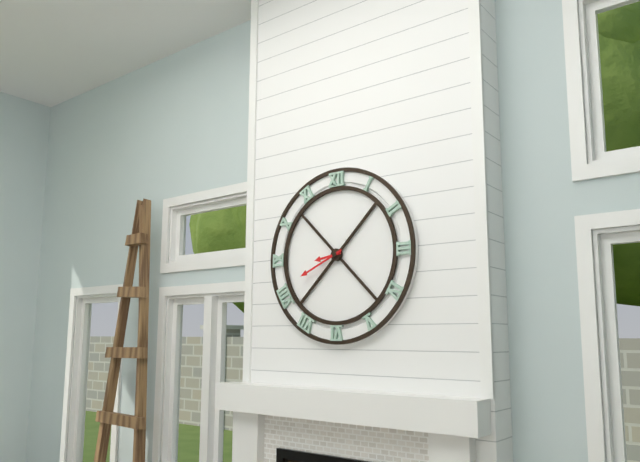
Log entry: {"hour": 8, "minute": 41}
